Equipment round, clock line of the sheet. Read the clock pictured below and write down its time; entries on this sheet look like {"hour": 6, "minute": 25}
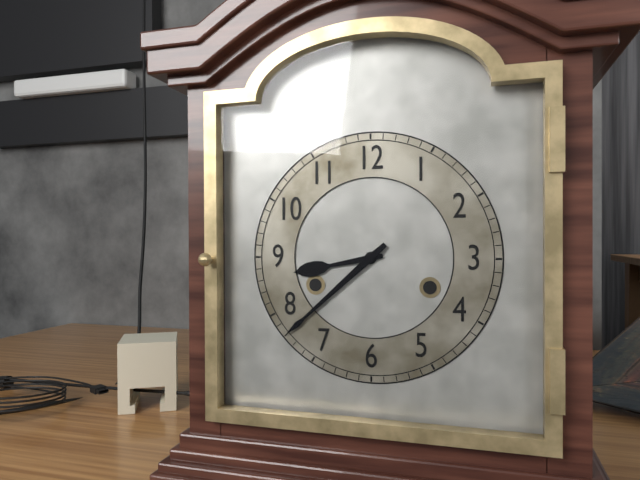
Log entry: {"hour": 8, "minute": 38}
